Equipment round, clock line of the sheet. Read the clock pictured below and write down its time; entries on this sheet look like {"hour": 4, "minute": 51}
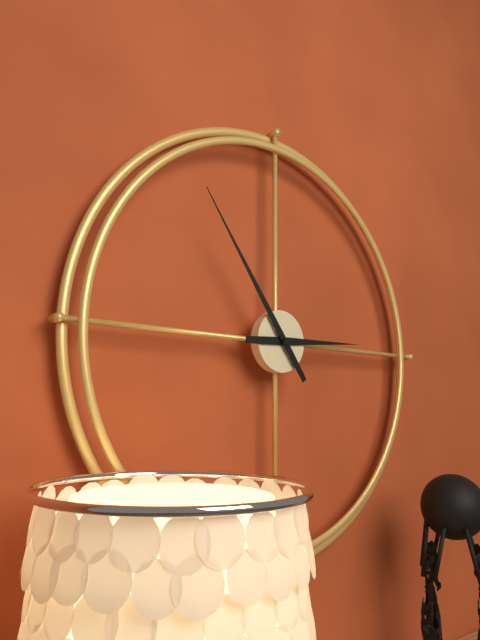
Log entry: {"hour": 2, "minute": 54}
